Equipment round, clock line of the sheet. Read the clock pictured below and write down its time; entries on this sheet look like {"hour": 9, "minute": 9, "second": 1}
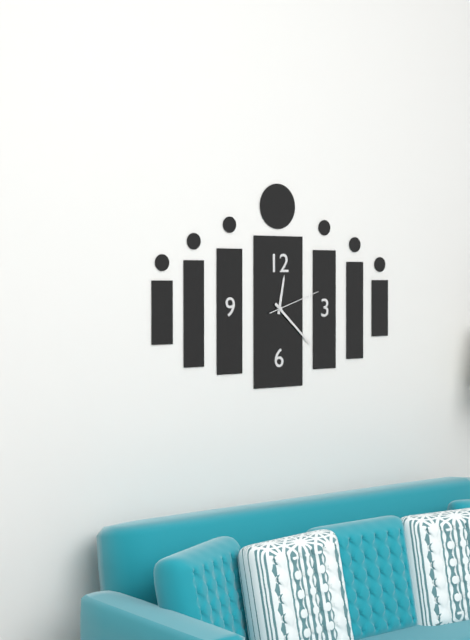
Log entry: {"hour": 12, "minute": 22, "second": 12}
